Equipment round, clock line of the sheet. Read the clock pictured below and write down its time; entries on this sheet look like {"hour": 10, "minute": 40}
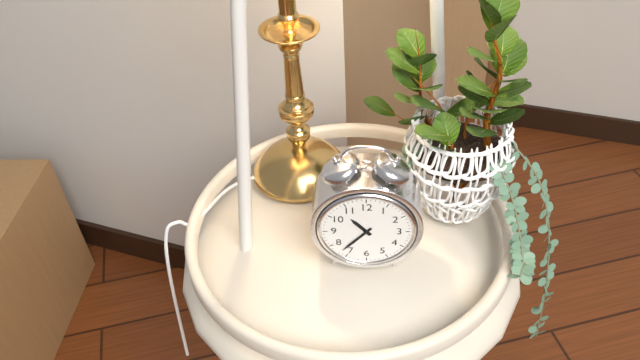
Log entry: {"hour": 10, "minute": 37}
